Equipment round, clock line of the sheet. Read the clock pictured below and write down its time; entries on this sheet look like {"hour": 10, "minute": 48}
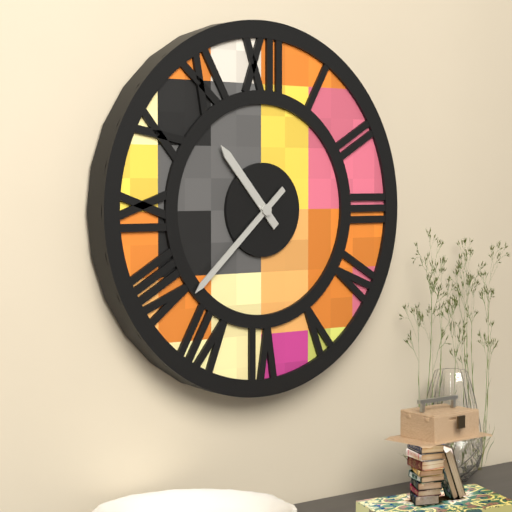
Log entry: {"hour": 10, "minute": 38}
